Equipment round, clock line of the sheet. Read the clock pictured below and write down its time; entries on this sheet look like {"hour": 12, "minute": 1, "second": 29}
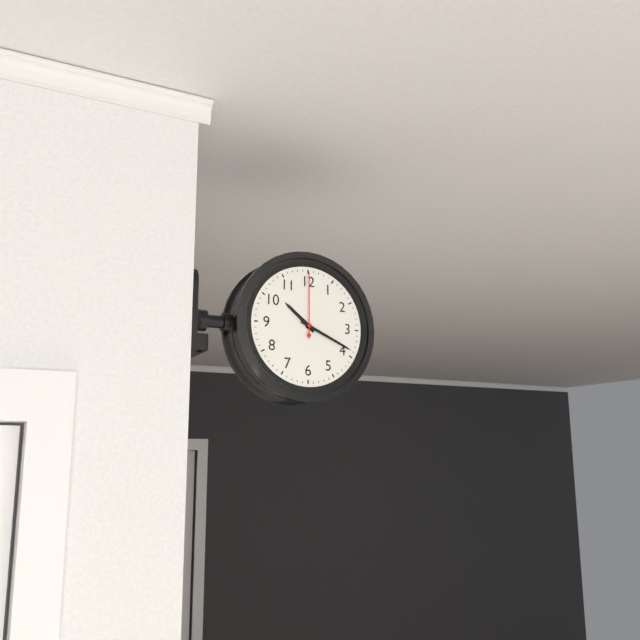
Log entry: {"hour": 10, "minute": 19, "second": 0}
